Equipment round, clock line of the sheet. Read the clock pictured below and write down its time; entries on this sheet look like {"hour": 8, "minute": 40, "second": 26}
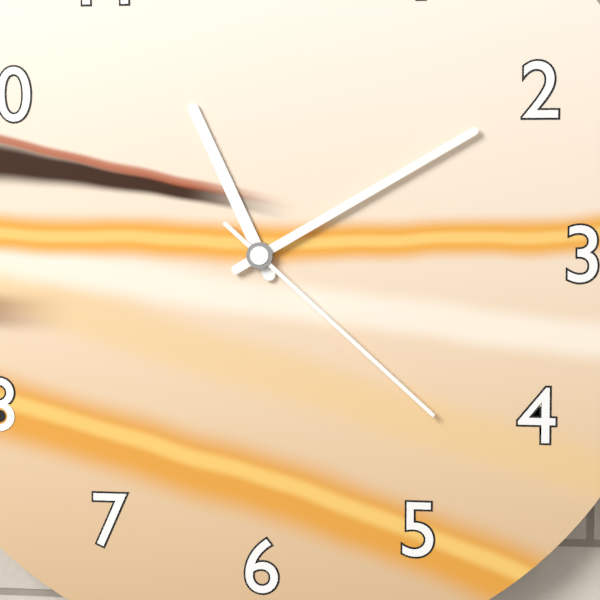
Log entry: {"hour": 11, "minute": 10, "second": 22}
